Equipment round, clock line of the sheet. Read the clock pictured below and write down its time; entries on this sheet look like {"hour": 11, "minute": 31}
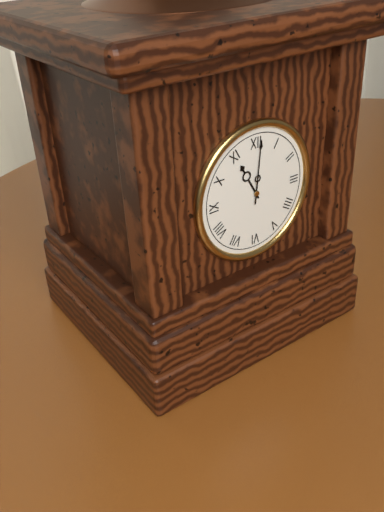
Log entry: {"hour": 11, "minute": 1}
